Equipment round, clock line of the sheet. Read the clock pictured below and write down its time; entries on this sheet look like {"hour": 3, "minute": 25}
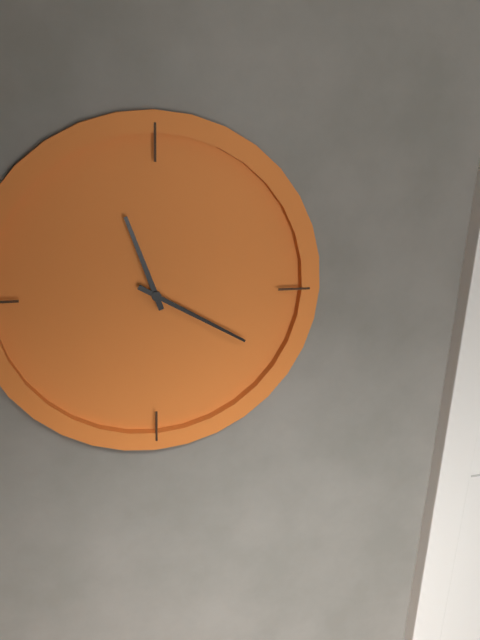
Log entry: {"hour": 11, "minute": 20}
